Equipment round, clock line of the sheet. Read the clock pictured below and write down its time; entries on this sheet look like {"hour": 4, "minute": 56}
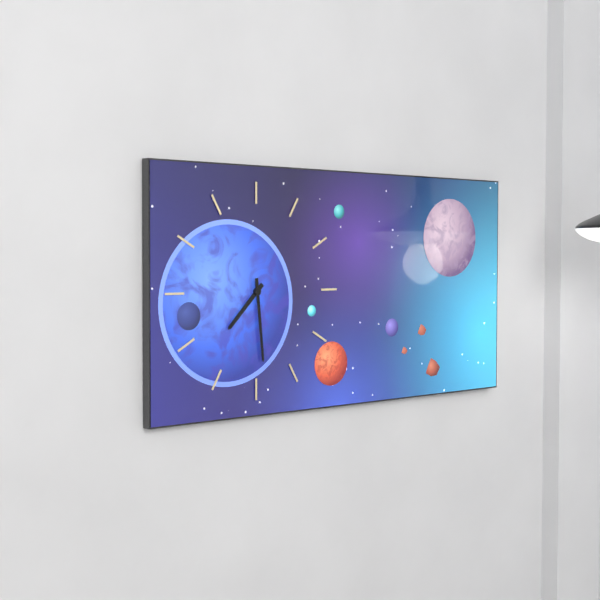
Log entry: {"hour": 7, "minute": 29}
